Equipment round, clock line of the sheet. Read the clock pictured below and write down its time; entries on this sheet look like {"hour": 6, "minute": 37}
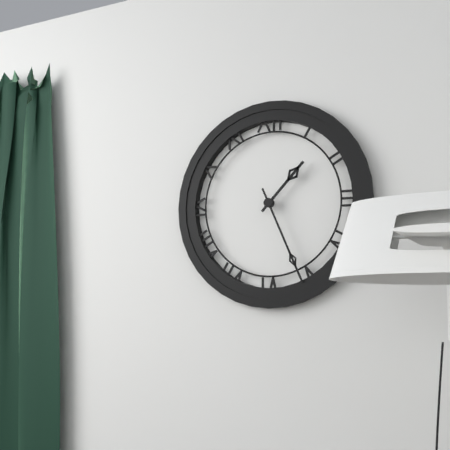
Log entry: {"hour": 1, "minute": 26}
